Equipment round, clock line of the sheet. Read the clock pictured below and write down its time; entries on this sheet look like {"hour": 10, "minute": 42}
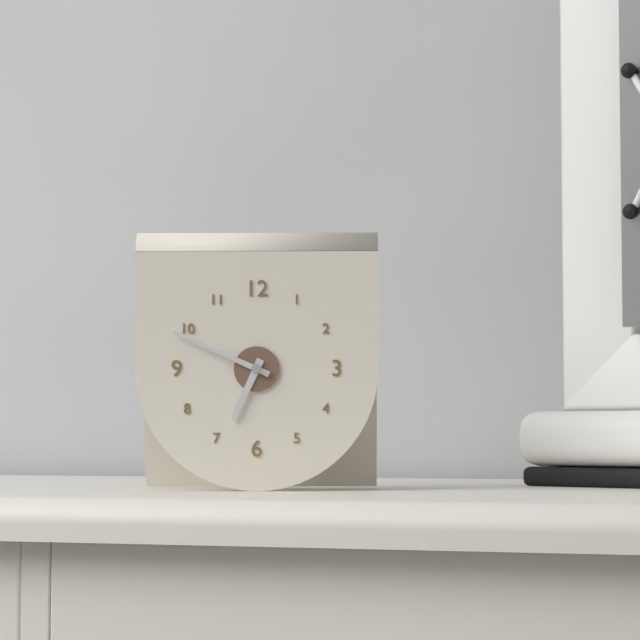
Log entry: {"hour": 6, "minute": 49}
